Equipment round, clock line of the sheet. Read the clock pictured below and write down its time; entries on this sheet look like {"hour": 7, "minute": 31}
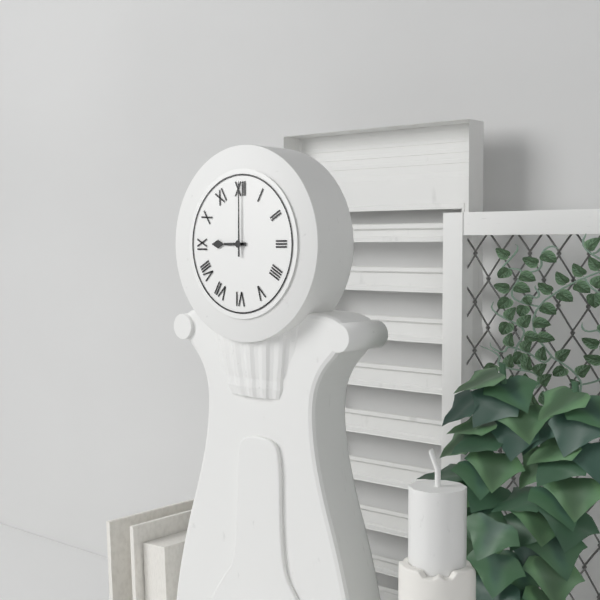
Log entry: {"hour": 9, "minute": 0}
